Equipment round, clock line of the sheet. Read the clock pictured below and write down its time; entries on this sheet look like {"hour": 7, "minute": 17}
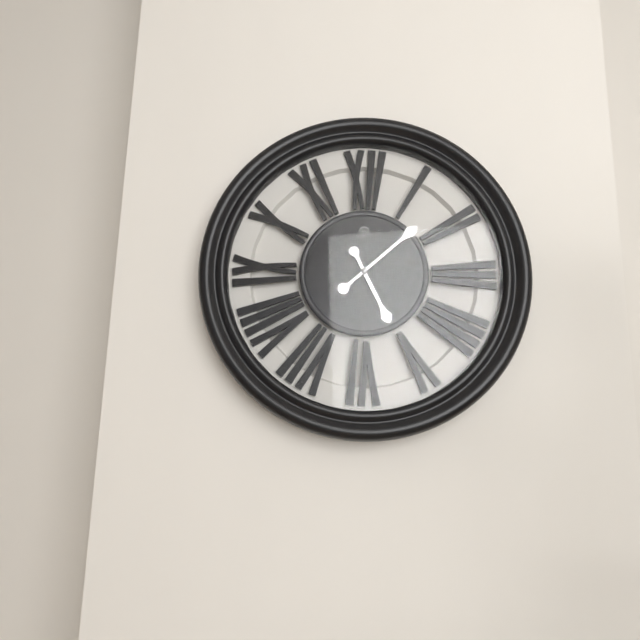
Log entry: {"hour": 5, "minute": 8}
